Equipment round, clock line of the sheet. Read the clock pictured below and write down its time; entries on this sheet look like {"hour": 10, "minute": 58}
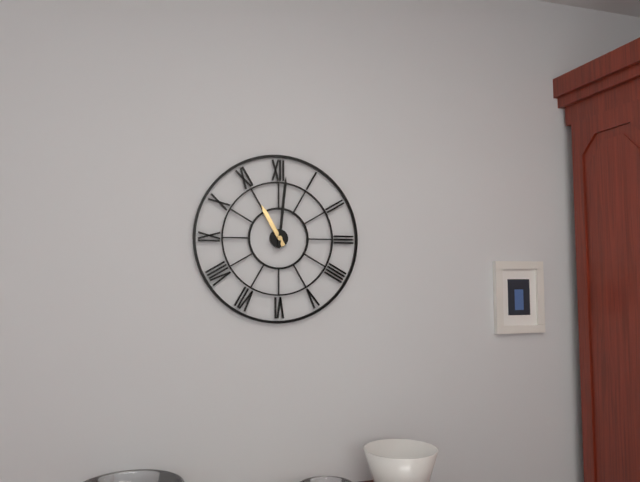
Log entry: {"hour": 11, "minute": 1}
